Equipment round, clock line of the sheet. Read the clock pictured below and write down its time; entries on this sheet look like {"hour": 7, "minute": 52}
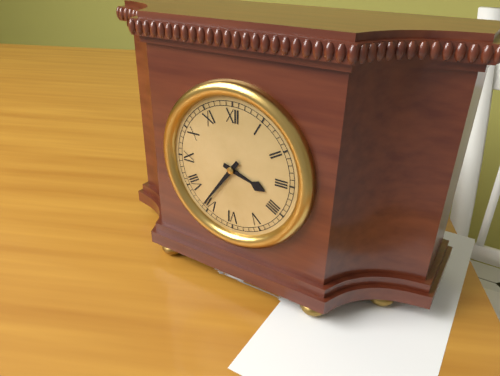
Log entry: {"hour": 3, "minute": 36}
